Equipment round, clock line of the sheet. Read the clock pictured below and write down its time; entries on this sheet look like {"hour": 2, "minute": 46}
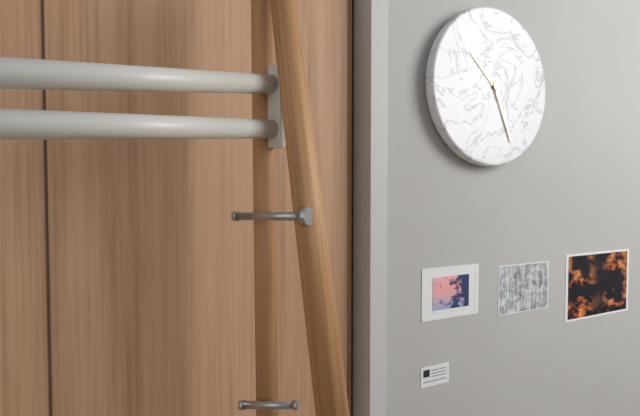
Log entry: {"hour": 10, "minute": 26}
